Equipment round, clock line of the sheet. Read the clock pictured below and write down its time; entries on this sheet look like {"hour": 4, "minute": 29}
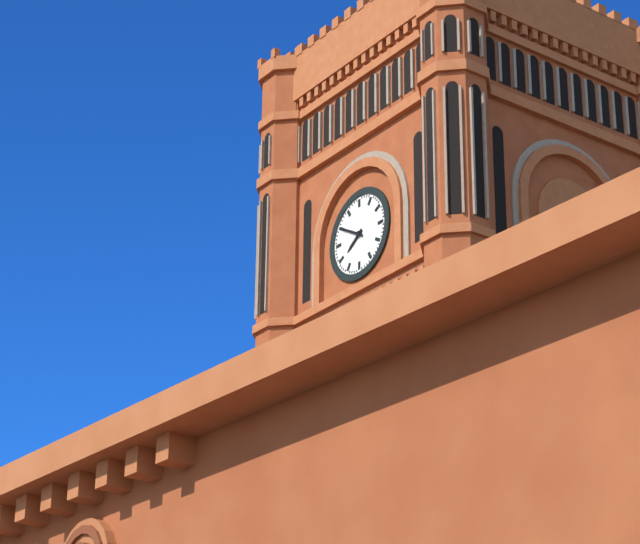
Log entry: {"hour": 7, "minute": 50}
